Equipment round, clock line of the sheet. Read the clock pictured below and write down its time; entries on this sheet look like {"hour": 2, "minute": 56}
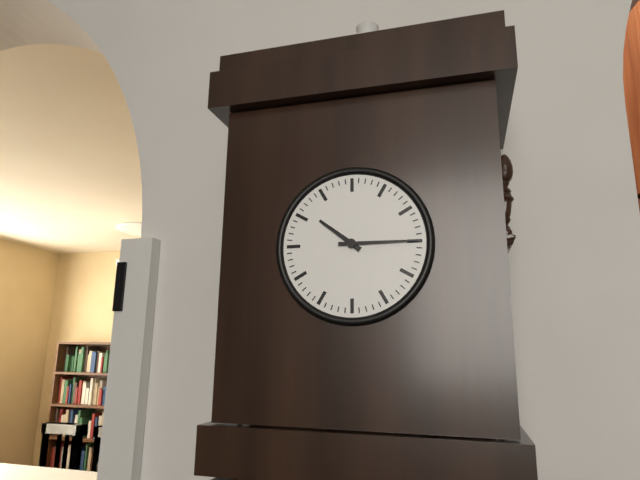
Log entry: {"hour": 10, "minute": 15}
